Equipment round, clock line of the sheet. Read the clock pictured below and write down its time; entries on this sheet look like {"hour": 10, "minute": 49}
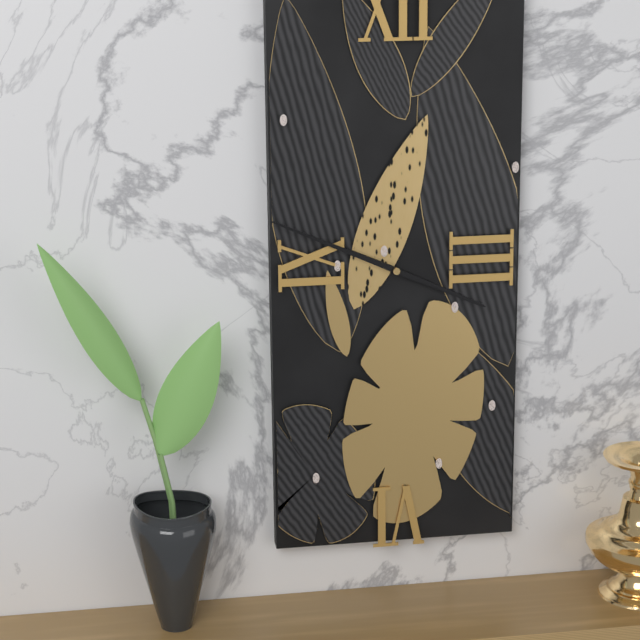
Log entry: {"hour": 3, "minute": 49}
